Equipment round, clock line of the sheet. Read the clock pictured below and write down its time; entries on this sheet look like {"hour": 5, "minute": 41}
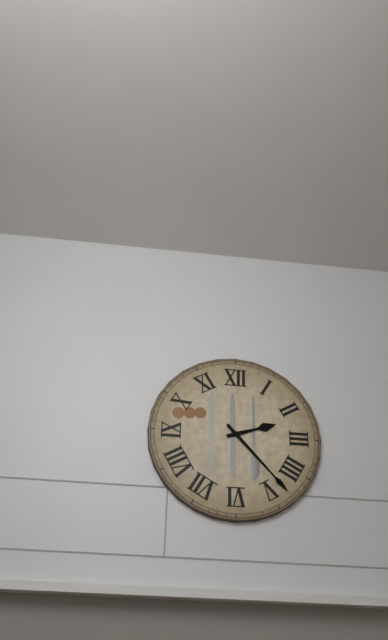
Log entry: {"hour": 2, "minute": 23}
